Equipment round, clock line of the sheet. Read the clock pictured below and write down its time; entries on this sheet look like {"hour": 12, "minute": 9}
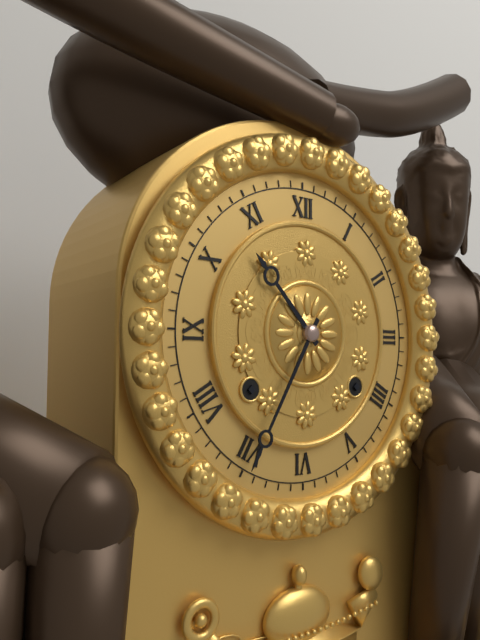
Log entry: {"hour": 10, "minute": 35}
